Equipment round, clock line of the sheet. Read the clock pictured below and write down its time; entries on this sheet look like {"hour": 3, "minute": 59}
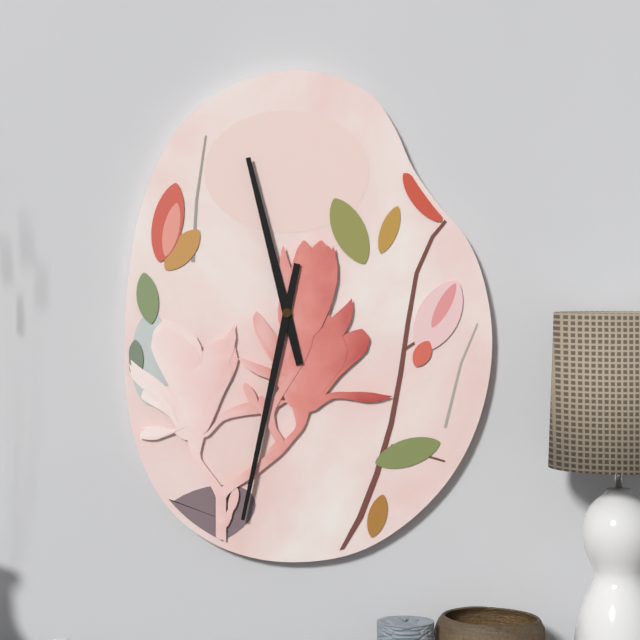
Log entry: {"hour": 11, "minute": 32}
